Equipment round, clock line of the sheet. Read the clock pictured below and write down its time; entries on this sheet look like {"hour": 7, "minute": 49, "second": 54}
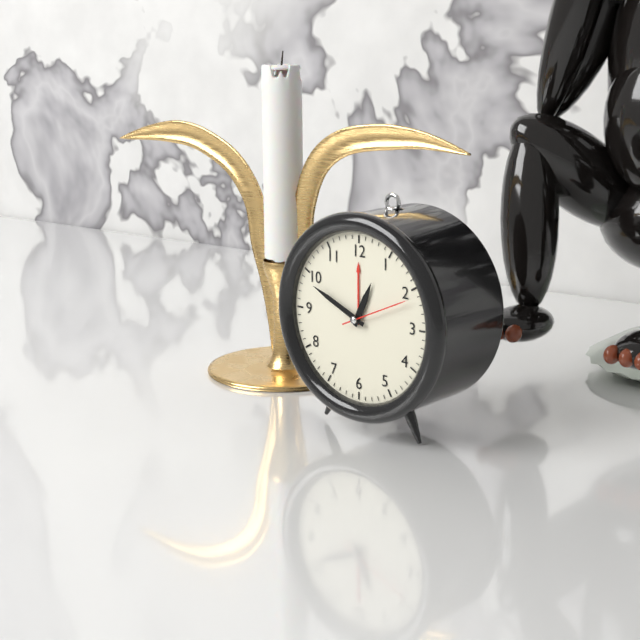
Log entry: {"hour": 12, "minute": 49, "second": 11}
